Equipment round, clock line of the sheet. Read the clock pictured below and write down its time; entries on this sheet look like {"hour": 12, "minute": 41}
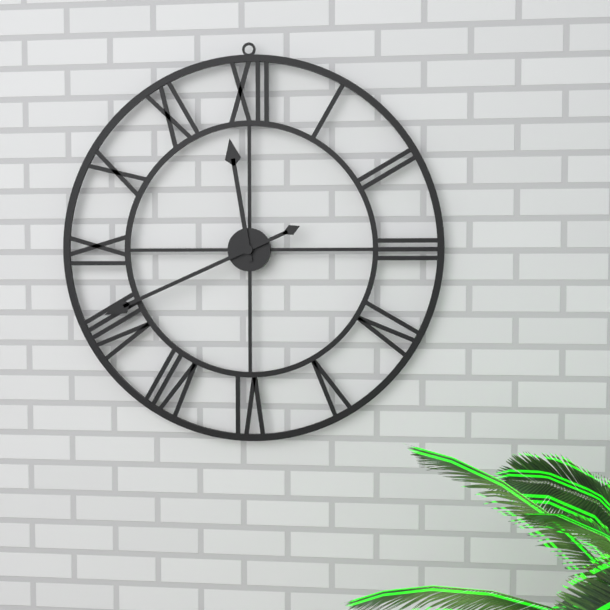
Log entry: {"hour": 11, "minute": 41}
